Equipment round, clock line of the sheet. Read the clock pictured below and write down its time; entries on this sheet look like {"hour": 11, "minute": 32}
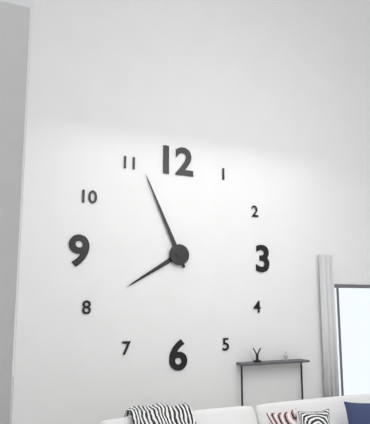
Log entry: {"hour": 7, "minute": 56}
